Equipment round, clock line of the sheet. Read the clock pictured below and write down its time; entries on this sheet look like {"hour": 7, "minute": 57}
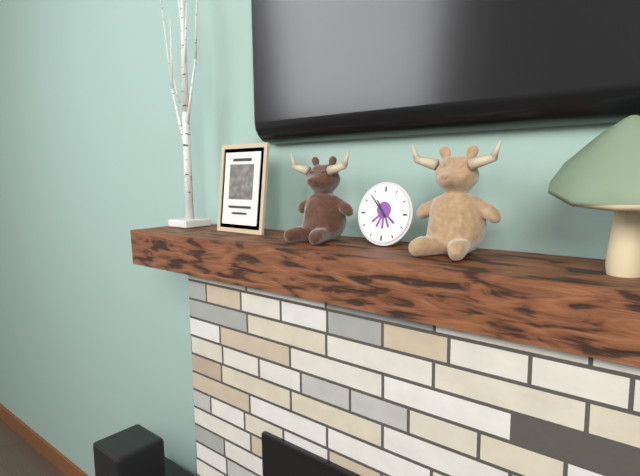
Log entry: {"hour": 10, "minute": 53}
